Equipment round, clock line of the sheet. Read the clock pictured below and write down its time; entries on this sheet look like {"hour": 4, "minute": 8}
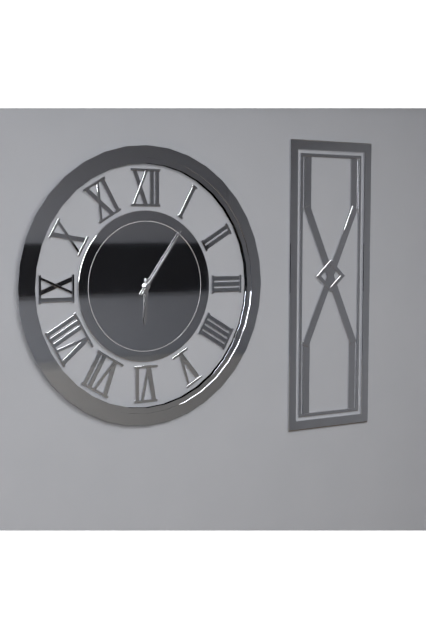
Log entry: {"hour": 6, "minute": 6}
